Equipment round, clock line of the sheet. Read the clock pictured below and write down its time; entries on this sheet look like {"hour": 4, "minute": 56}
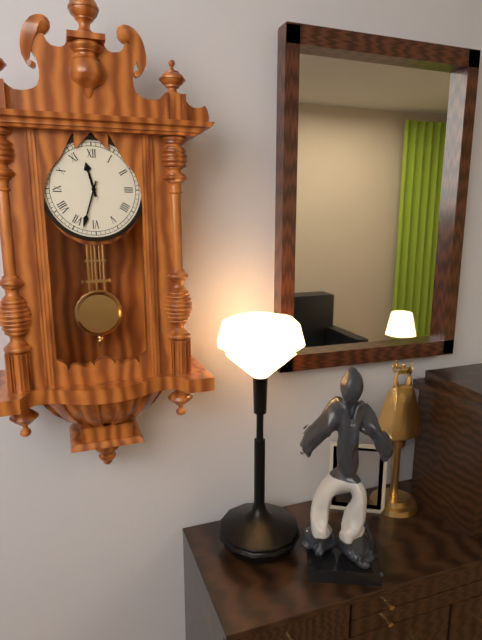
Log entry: {"hour": 11, "minute": 33}
